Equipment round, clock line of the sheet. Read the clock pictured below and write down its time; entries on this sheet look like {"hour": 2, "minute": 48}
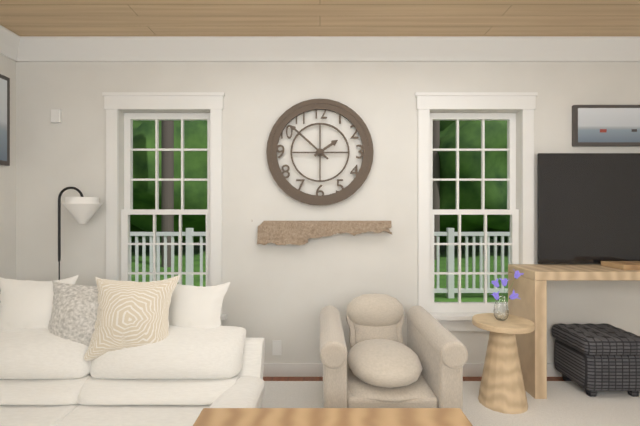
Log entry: {"hour": 1, "minute": 52}
